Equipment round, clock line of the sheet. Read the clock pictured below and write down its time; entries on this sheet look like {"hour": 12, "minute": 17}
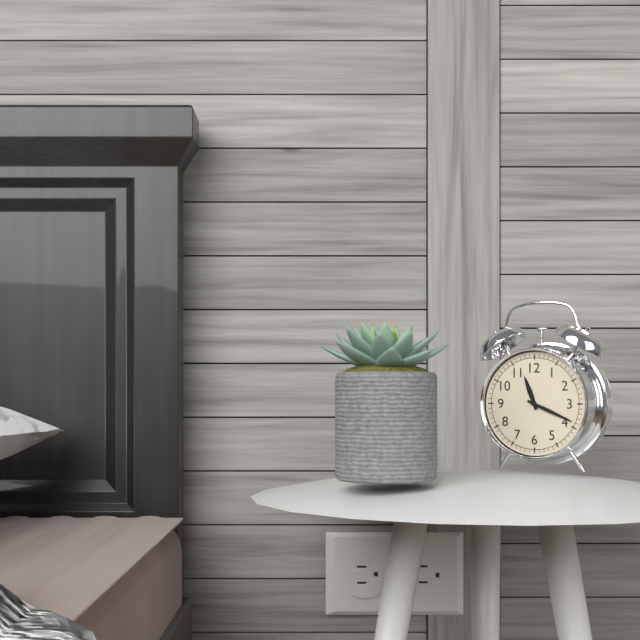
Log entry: {"hour": 11, "minute": 19}
